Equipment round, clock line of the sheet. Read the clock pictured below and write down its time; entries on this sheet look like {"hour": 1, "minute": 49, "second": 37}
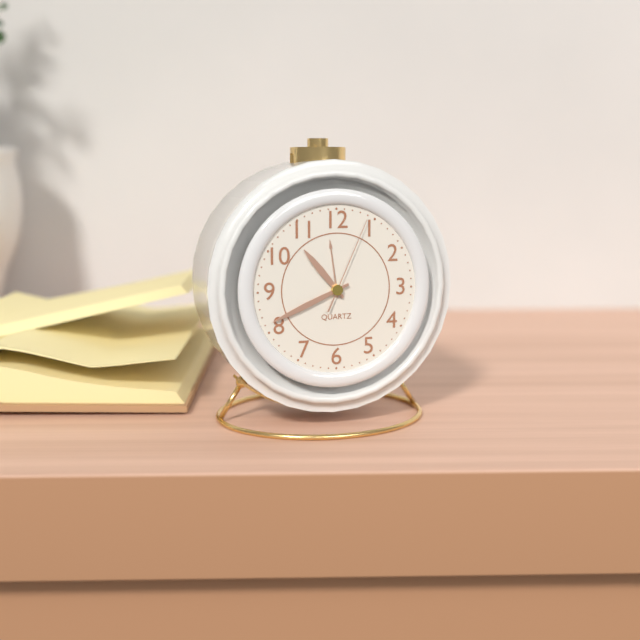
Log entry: {"hour": 10, "minute": 41, "second": 4}
